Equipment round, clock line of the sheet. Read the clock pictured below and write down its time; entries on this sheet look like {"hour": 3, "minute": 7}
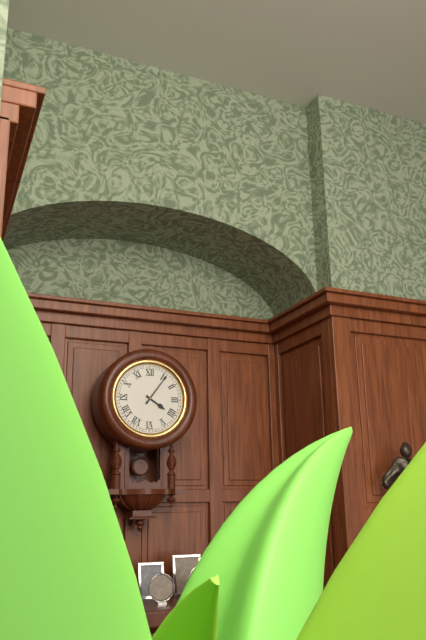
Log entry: {"hour": 4, "minute": 6}
